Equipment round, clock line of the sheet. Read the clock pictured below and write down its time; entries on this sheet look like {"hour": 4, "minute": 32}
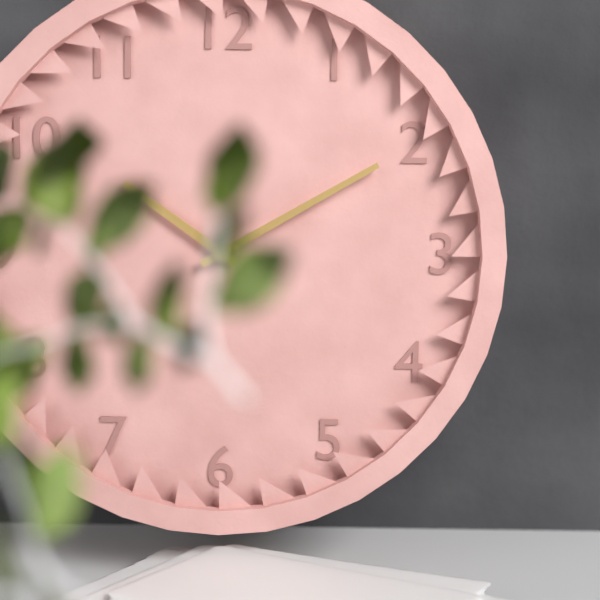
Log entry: {"hour": 10, "minute": 10}
